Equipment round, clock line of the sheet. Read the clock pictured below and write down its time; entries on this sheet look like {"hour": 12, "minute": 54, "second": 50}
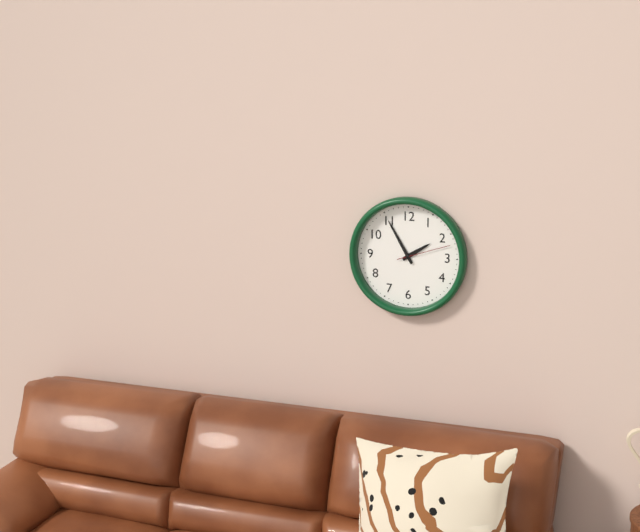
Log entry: {"hour": 1, "minute": 55, "second": 12}
